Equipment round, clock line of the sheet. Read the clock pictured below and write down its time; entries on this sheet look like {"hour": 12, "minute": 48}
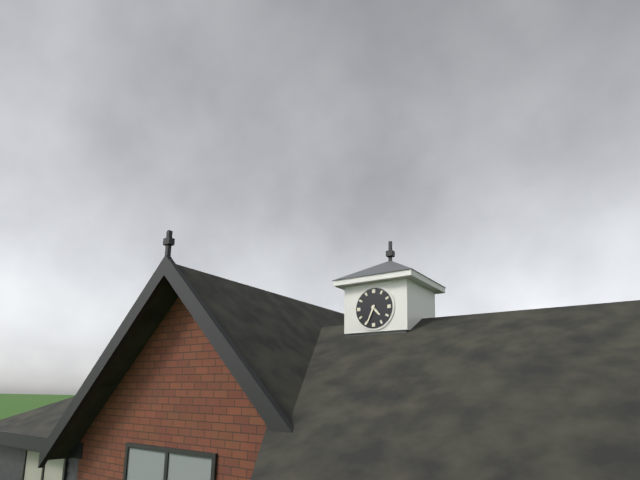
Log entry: {"hour": 4, "minute": 34}
